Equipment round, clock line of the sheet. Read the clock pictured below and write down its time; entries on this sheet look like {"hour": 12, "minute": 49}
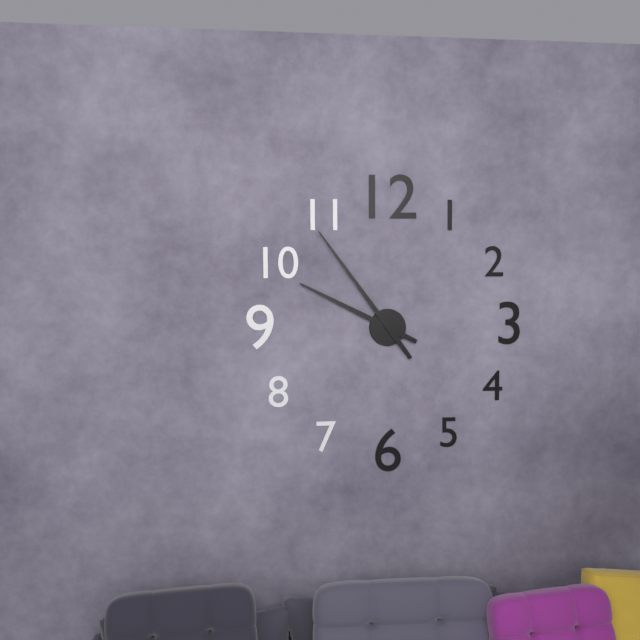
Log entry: {"hour": 9, "minute": 54}
